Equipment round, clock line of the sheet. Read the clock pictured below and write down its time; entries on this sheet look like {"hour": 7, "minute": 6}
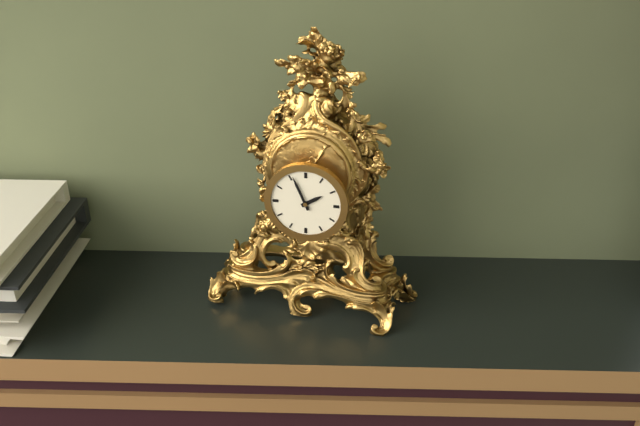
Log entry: {"hour": 1, "minute": 56}
